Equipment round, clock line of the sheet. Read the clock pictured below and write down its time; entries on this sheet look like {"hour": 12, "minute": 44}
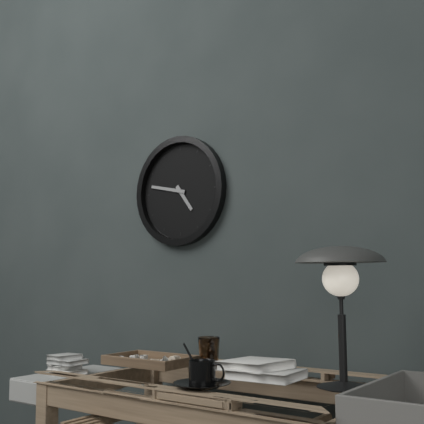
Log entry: {"hour": 4, "minute": 47}
